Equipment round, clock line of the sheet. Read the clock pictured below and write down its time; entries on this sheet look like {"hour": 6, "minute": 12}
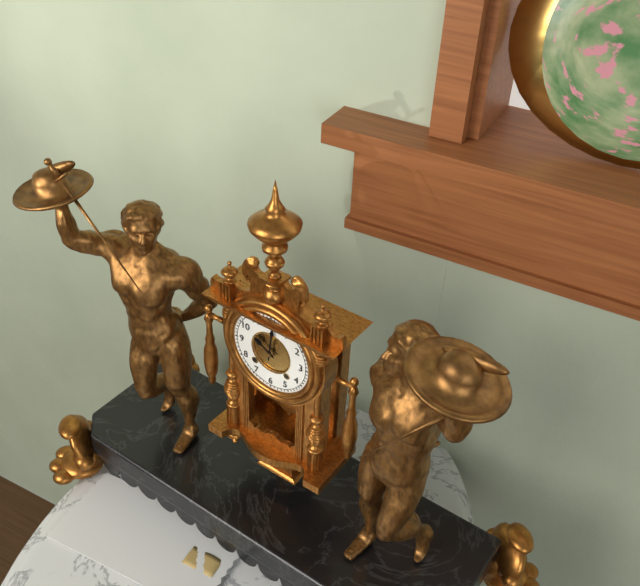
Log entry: {"hour": 10, "minute": 1}
